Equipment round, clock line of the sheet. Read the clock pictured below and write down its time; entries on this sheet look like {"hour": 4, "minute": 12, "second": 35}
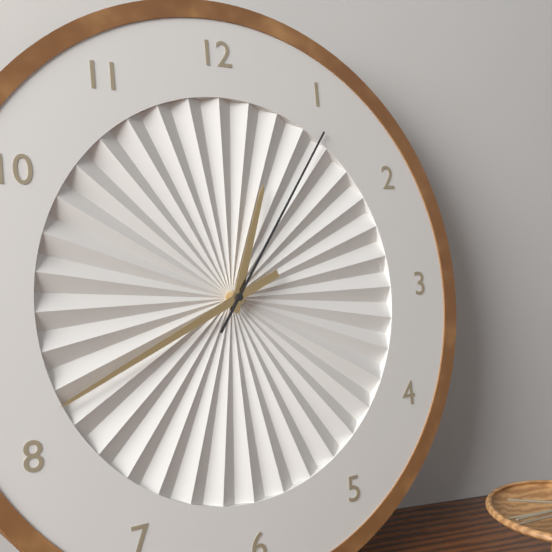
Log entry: {"hour": 12, "minute": 41, "second": 6}
